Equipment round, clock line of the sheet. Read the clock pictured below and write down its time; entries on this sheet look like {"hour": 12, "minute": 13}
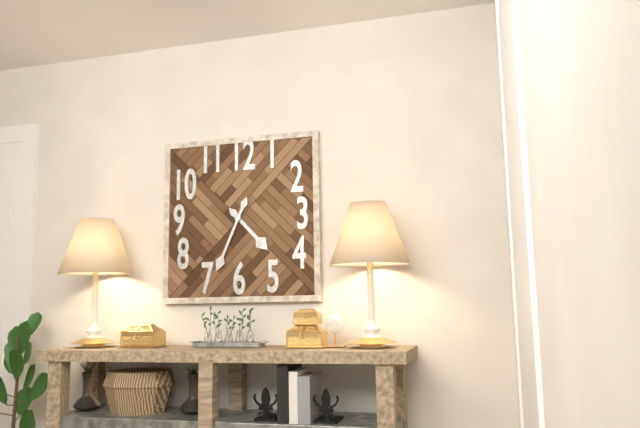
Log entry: {"hour": 4, "minute": 34}
